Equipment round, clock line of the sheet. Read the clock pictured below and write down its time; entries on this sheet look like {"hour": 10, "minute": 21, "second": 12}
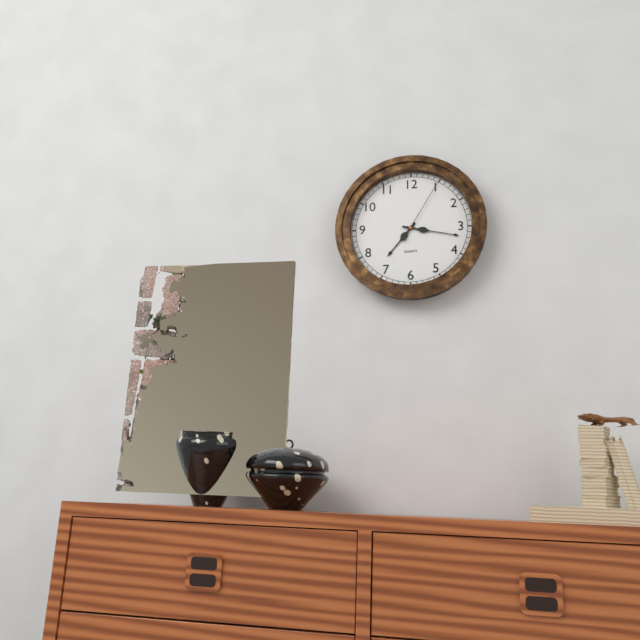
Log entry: {"hour": 7, "minute": 17, "second": 5}
